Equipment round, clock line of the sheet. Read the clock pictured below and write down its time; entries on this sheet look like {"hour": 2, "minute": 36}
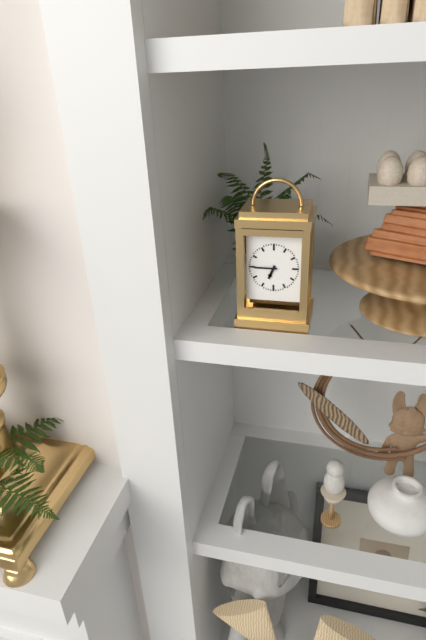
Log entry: {"hour": 6, "minute": 45}
